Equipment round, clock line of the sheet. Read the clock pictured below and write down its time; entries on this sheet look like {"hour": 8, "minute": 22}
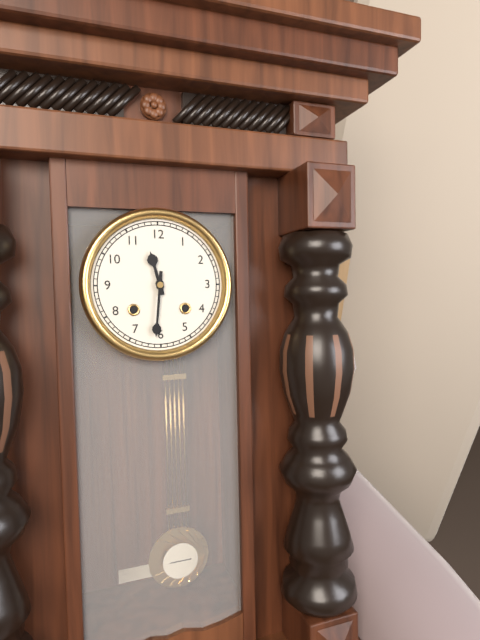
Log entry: {"hour": 11, "minute": 31}
